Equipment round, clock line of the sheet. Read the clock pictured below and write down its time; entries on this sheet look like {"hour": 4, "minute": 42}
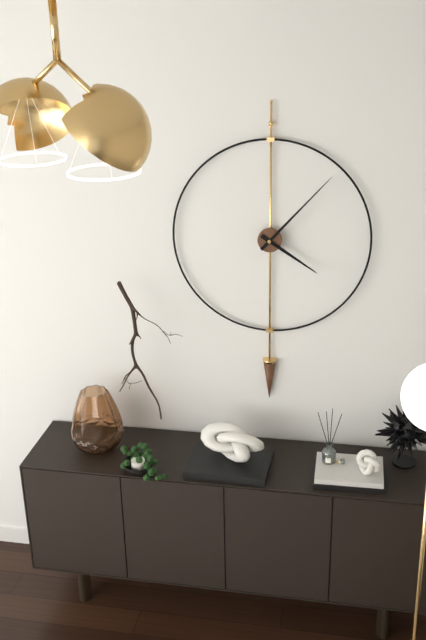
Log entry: {"hour": 4, "minute": 7}
